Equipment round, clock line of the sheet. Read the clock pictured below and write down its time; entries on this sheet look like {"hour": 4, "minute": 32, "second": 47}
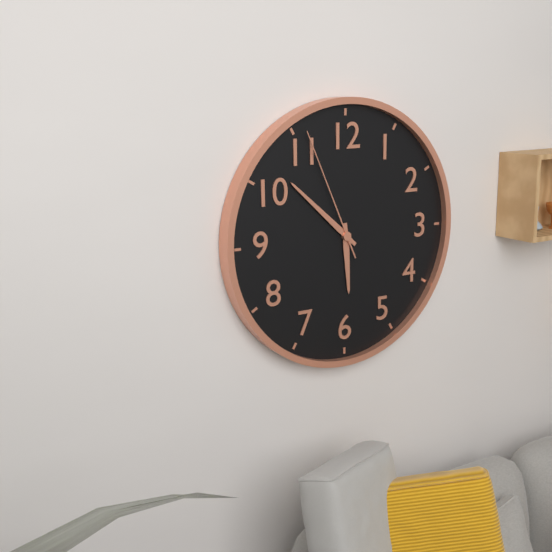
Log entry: {"hour": 5, "minute": 52, "second": 56}
